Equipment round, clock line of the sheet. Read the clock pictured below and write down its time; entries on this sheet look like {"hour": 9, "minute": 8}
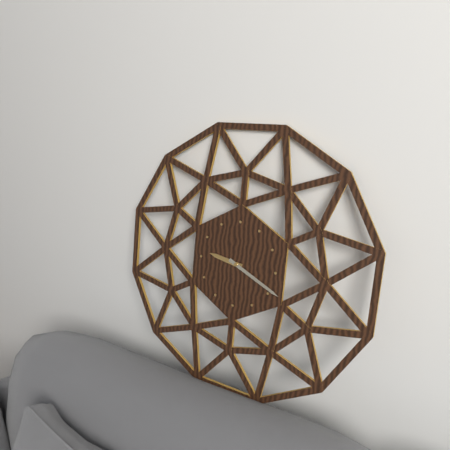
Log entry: {"hour": 9, "minute": 19}
